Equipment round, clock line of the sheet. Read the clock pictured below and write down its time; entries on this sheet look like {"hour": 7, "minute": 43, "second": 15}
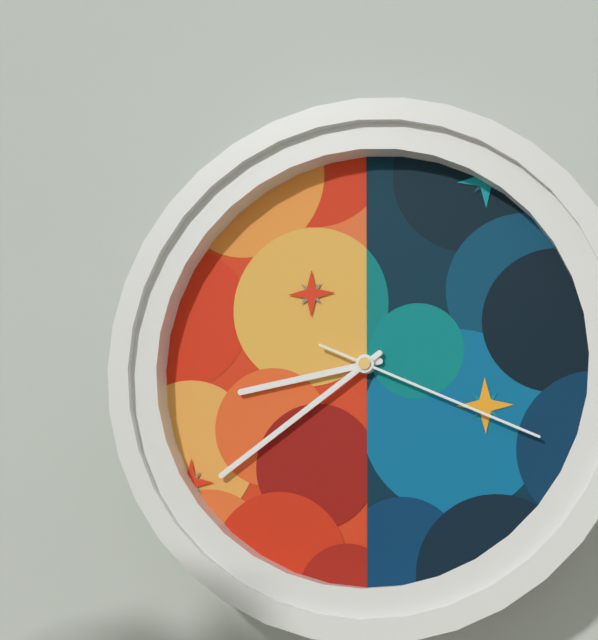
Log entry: {"hour": 8, "minute": 39, "second": 19}
